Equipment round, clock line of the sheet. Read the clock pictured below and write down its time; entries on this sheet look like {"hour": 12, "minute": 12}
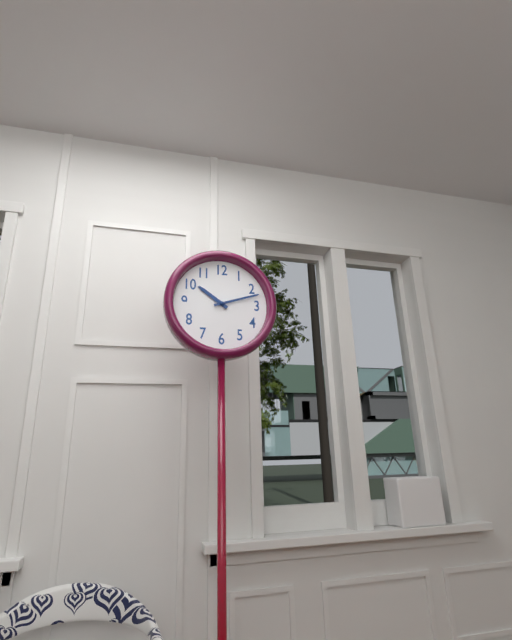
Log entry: {"hour": 10, "minute": 12}
